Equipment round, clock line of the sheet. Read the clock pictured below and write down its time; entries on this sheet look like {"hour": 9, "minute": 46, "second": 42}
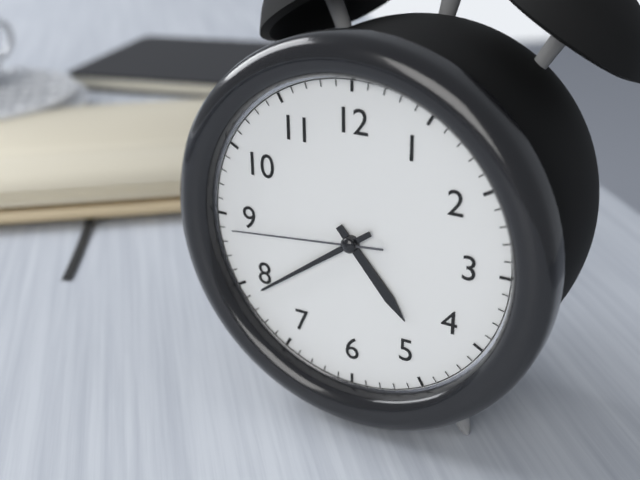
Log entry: {"hour": 4, "minute": 39, "second": 44}
